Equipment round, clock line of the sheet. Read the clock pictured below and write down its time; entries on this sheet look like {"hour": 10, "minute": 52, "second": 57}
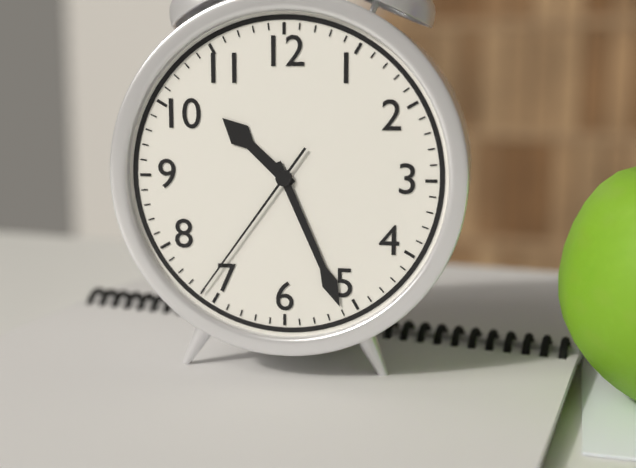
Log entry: {"hour": 10, "minute": 26, "second": 36}
